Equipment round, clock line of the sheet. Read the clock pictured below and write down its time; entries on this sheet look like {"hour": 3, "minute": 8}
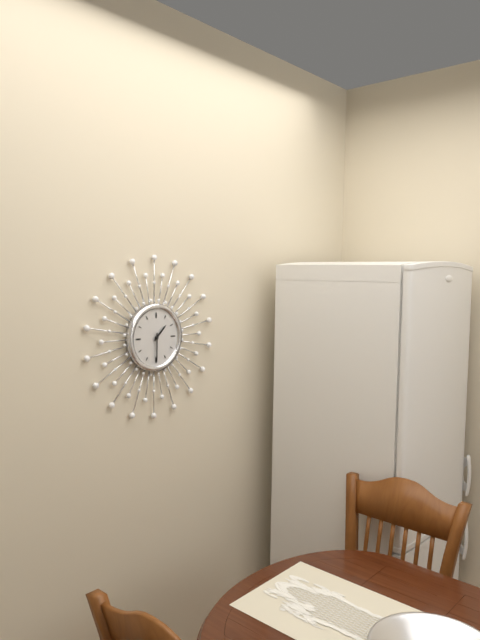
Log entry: {"hour": 1, "minute": 30}
